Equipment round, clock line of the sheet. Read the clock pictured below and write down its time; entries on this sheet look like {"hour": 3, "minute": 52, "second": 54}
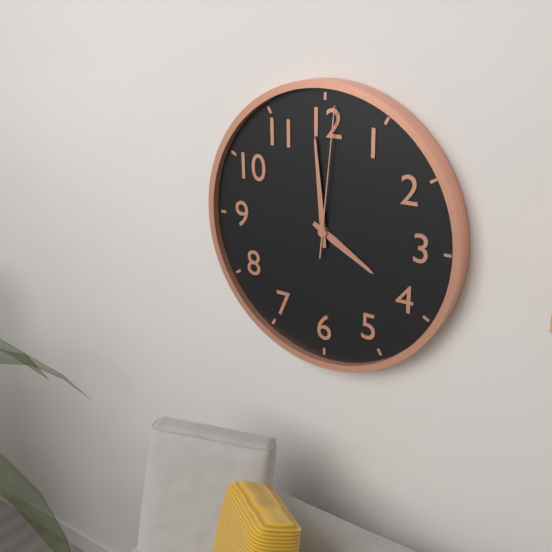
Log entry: {"hour": 3, "minute": 59, "second": 1}
